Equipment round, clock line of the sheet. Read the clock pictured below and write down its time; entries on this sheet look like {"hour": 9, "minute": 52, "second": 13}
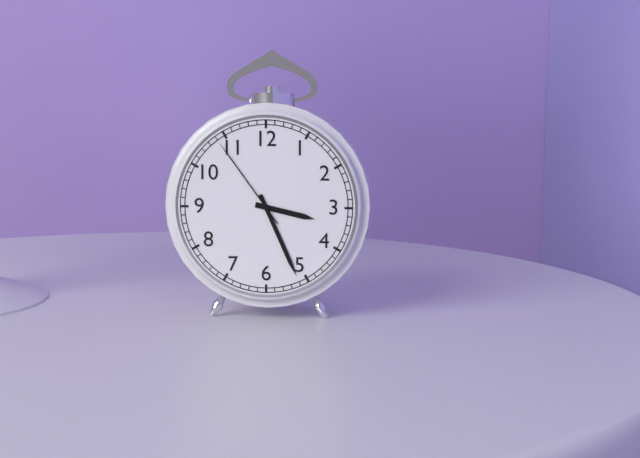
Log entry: {"hour": 3, "minute": 26, "second": 54}
